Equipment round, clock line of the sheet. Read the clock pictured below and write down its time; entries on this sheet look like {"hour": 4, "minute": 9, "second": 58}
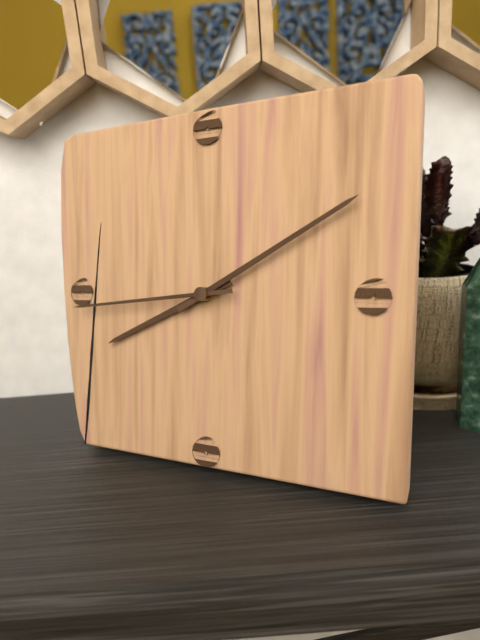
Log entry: {"hour": 8, "minute": 10, "second": 44}
